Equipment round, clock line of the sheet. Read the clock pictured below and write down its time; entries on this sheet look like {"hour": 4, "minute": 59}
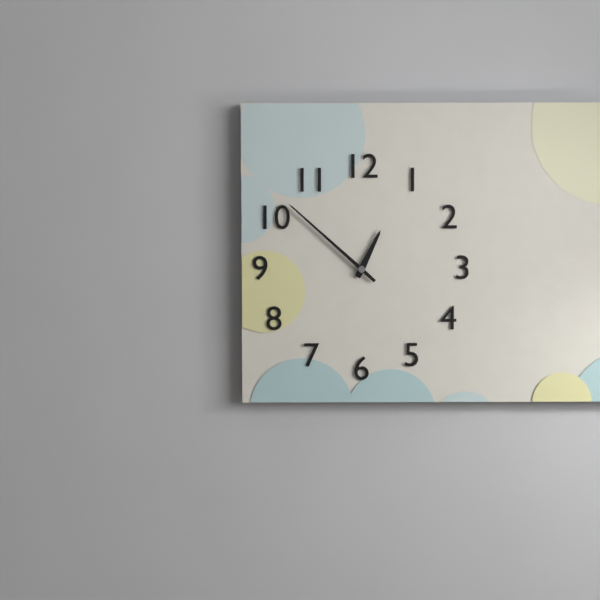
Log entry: {"hour": 12, "minute": 52}
